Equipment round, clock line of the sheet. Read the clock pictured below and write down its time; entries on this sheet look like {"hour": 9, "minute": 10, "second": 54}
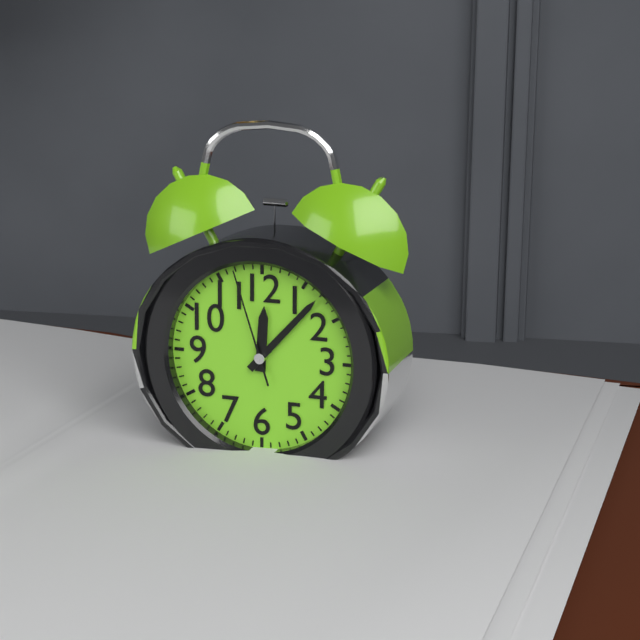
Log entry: {"hour": 12, "minute": 7, "second": 57}
